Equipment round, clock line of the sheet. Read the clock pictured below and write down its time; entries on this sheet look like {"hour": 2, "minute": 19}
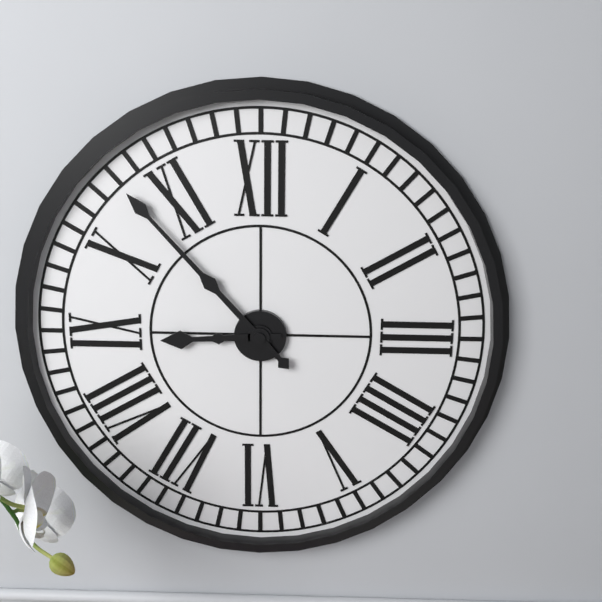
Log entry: {"hour": 8, "minute": 53}
